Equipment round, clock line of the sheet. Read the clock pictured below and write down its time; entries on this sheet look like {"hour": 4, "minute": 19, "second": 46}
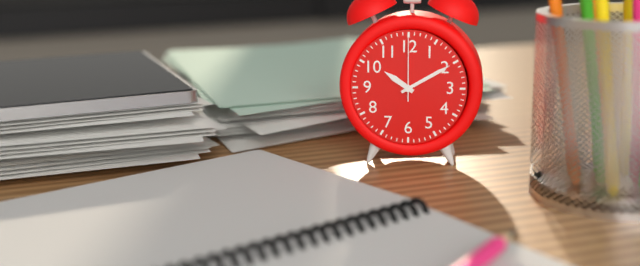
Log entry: {"hour": 10, "minute": 10, "second": 0}
